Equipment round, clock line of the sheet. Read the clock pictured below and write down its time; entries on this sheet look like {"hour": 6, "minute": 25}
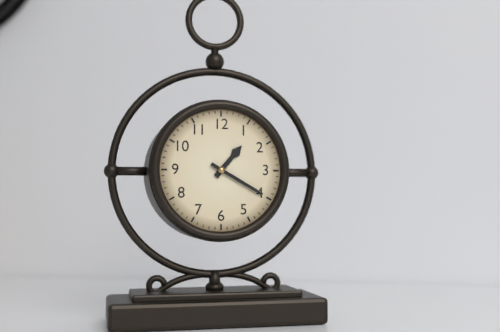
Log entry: {"hour": 1, "minute": 20}
